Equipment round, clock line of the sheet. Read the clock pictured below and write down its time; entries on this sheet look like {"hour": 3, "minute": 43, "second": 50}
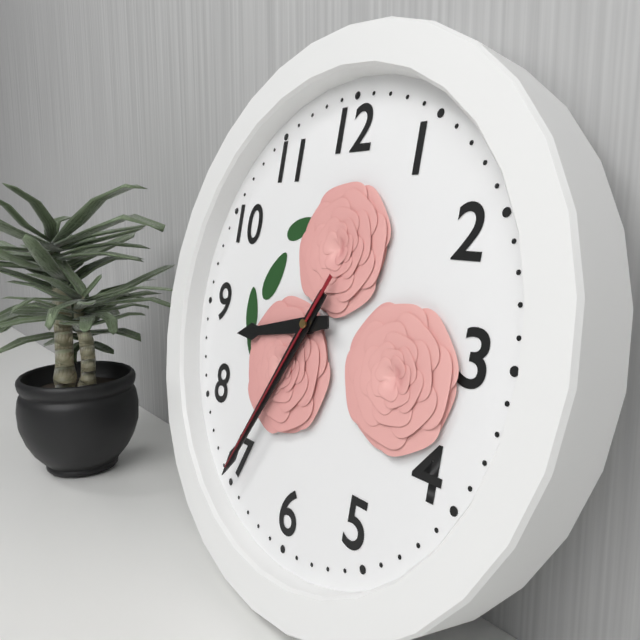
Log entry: {"hour": 8, "minute": 35, "second": 35}
